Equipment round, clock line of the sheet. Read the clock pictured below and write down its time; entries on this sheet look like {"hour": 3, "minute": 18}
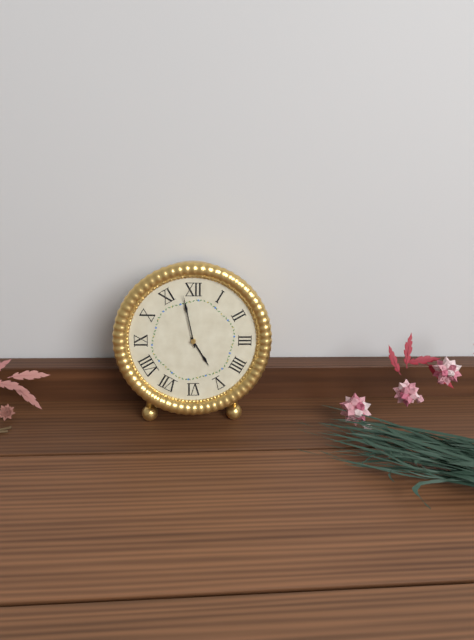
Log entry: {"hour": 4, "minute": 58}
